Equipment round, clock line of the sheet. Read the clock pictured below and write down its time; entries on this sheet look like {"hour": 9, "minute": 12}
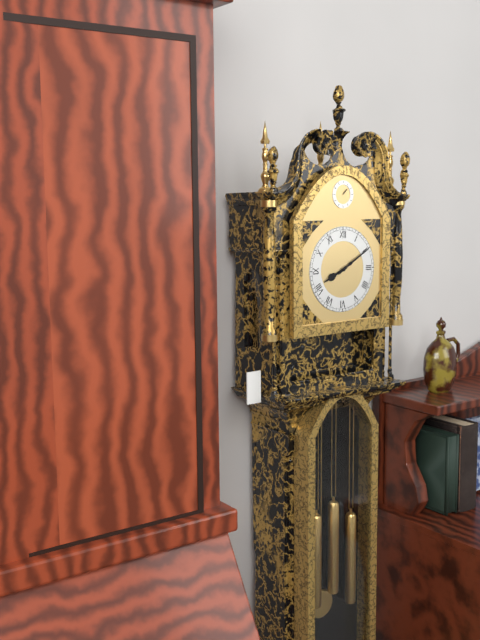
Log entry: {"hour": 8, "minute": 10}
